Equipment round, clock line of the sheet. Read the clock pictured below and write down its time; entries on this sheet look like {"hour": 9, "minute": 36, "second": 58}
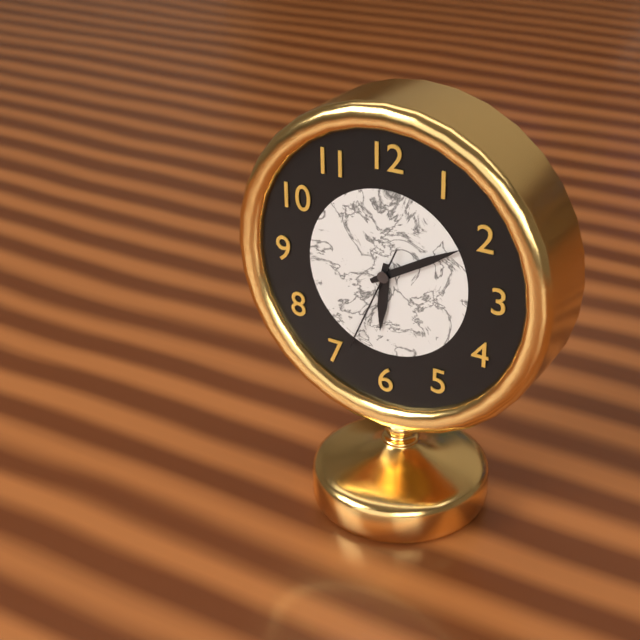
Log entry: {"hour": 6, "minute": 10, "second": 34}
